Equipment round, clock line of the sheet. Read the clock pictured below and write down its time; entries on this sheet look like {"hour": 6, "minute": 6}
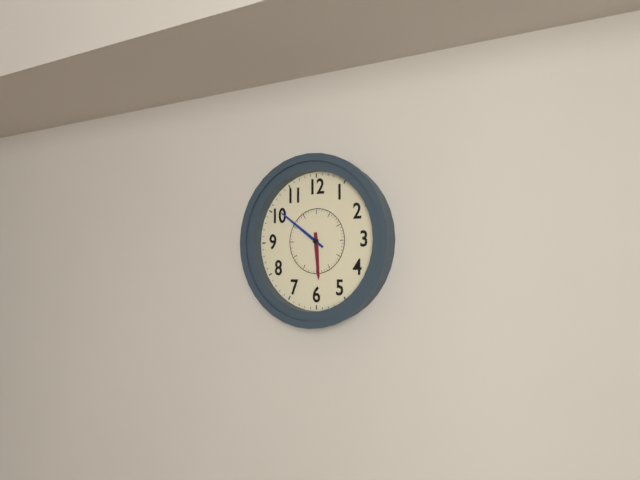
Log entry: {"hour": 5, "minute": 51}
